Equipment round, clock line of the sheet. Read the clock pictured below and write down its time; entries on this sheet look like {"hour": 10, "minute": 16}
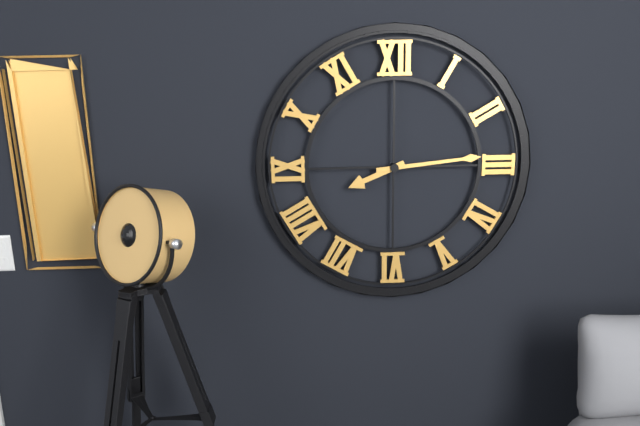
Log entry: {"hour": 8, "minute": 14}
